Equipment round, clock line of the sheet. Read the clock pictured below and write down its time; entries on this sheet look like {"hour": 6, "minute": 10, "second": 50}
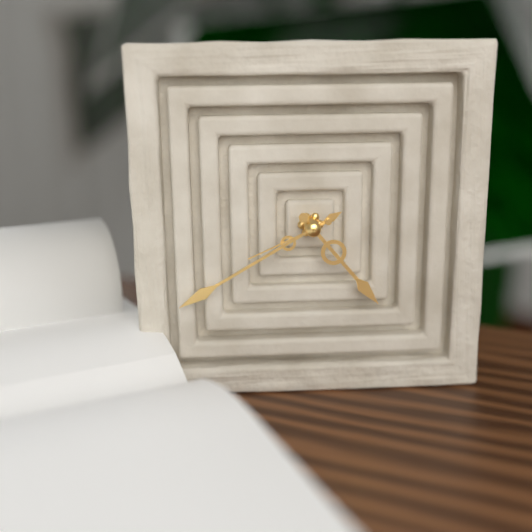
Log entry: {"hour": 4, "minute": 40, "second": 41}
